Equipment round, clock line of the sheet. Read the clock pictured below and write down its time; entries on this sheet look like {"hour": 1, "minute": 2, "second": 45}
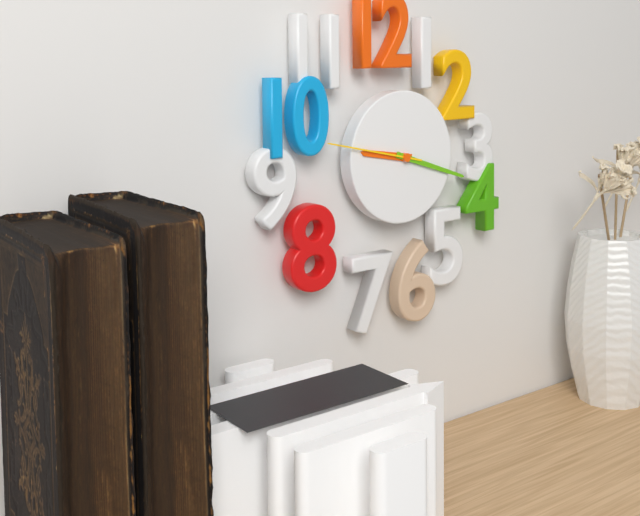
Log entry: {"hour": 9, "minute": 18, "second": 47}
